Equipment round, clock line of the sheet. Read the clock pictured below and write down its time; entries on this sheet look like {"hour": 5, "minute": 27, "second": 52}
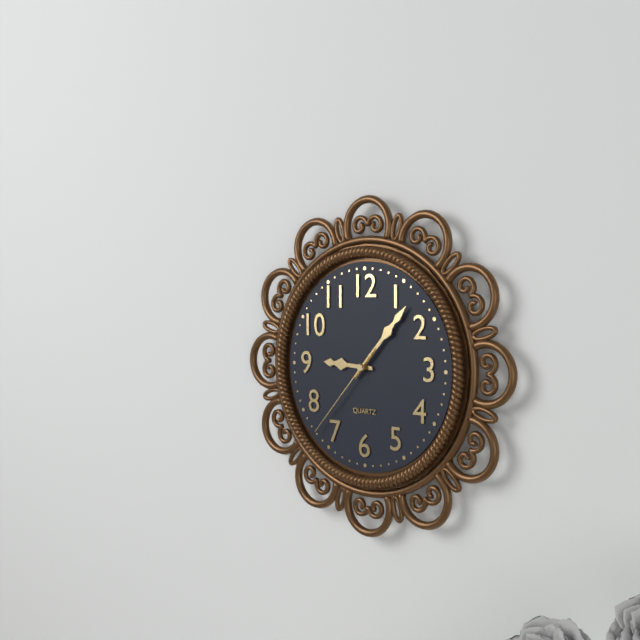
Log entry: {"hour": 9, "minute": 7, "second": 37}
